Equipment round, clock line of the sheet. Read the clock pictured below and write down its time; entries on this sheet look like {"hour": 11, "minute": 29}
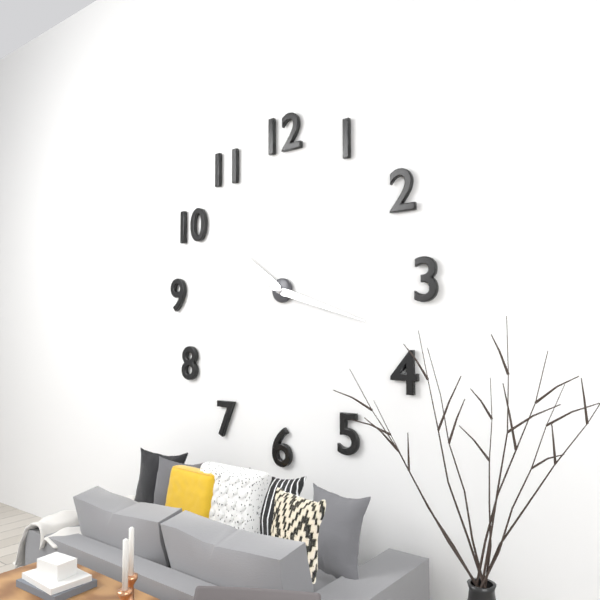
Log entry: {"hour": 10, "minute": 18}
